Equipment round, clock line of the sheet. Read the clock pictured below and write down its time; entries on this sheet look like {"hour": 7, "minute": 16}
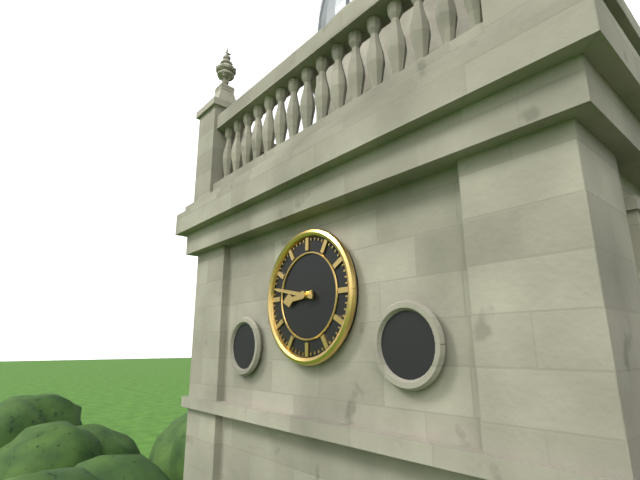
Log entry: {"hour": 8, "minute": 47}
